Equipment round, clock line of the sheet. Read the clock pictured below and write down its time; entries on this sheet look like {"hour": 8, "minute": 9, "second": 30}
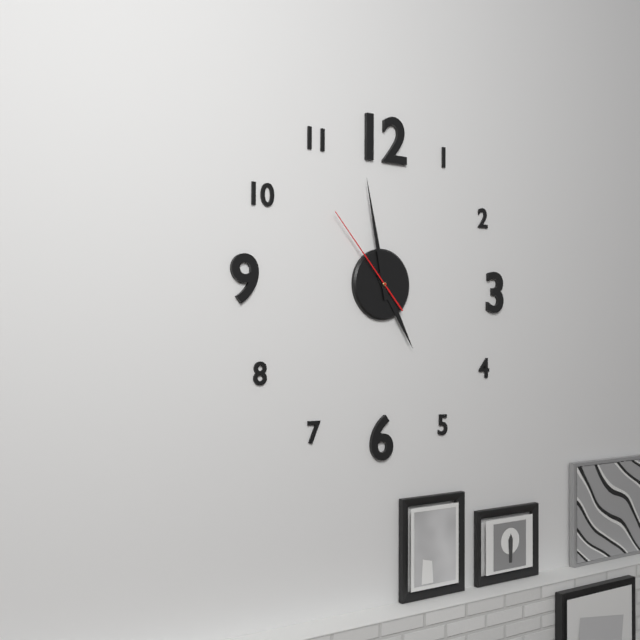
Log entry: {"hour": 4, "minute": 58, "second": 53}
